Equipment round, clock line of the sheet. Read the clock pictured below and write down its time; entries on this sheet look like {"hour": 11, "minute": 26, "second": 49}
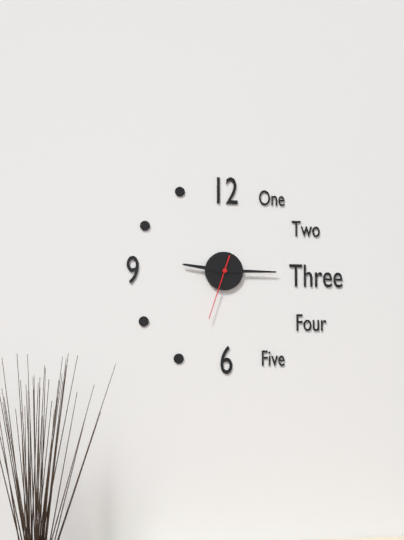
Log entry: {"hour": 9, "minute": 15, "second": 33}
